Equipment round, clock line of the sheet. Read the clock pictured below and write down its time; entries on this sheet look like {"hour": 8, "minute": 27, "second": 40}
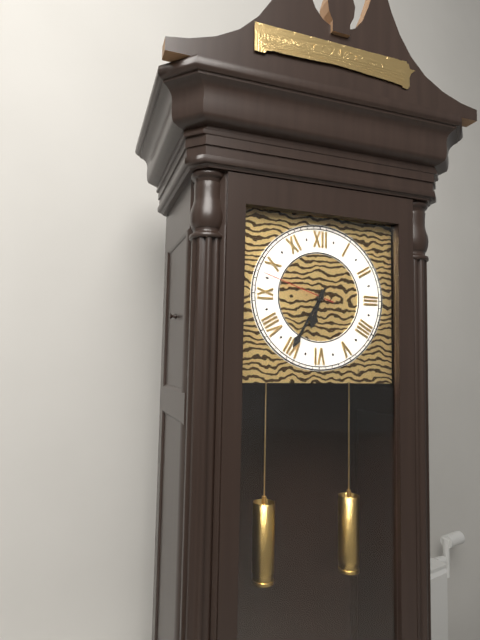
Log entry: {"hour": 6, "minute": 35, "second": 48}
